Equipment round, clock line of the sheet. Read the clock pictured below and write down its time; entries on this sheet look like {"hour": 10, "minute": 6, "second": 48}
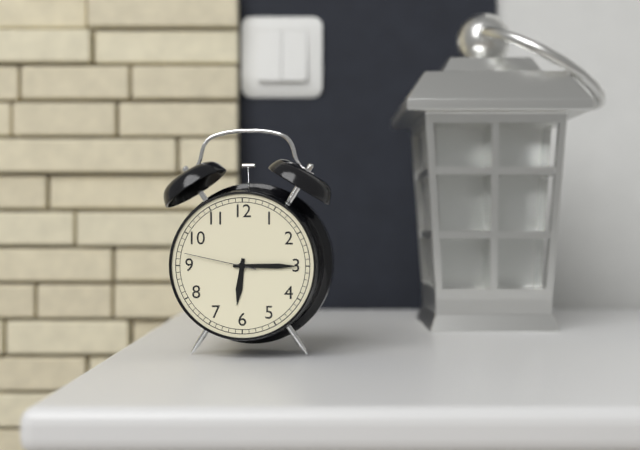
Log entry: {"hour": 6, "minute": 15, "second": 47}
